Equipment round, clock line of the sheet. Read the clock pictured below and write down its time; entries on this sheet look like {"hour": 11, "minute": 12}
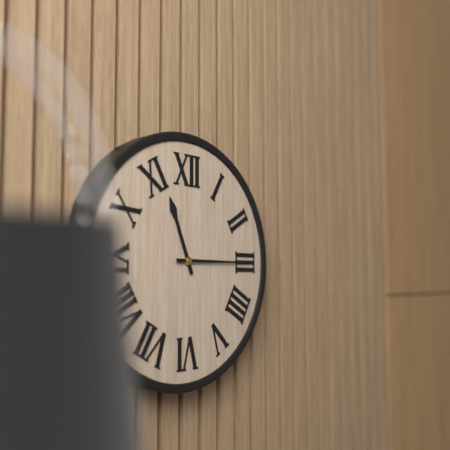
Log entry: {"hour": 11, "minute": 15}
